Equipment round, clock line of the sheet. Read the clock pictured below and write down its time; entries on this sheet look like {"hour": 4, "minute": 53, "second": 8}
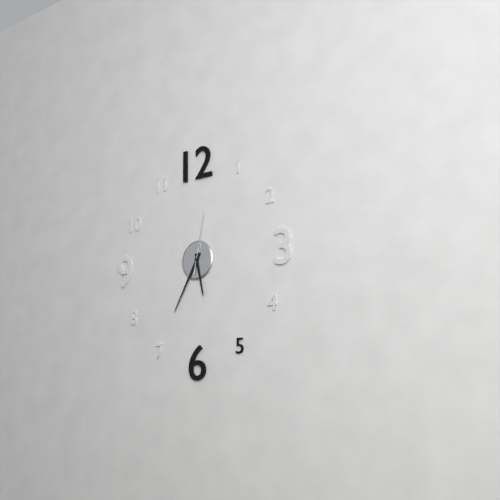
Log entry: {"hour": 5, "minute": 35, "second": 2}
